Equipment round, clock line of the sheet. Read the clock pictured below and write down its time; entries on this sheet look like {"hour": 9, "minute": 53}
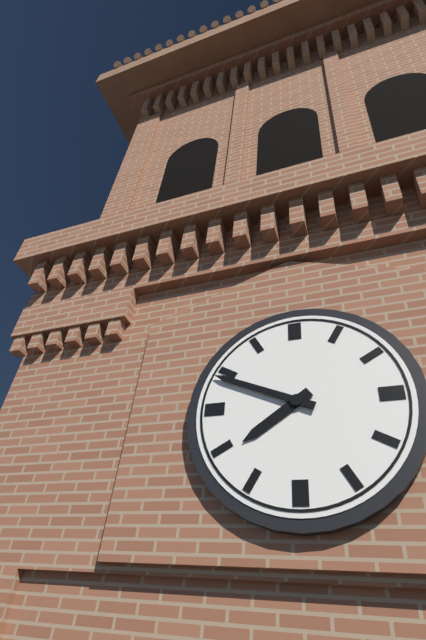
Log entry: {"hour": 7, "minute": 49}
